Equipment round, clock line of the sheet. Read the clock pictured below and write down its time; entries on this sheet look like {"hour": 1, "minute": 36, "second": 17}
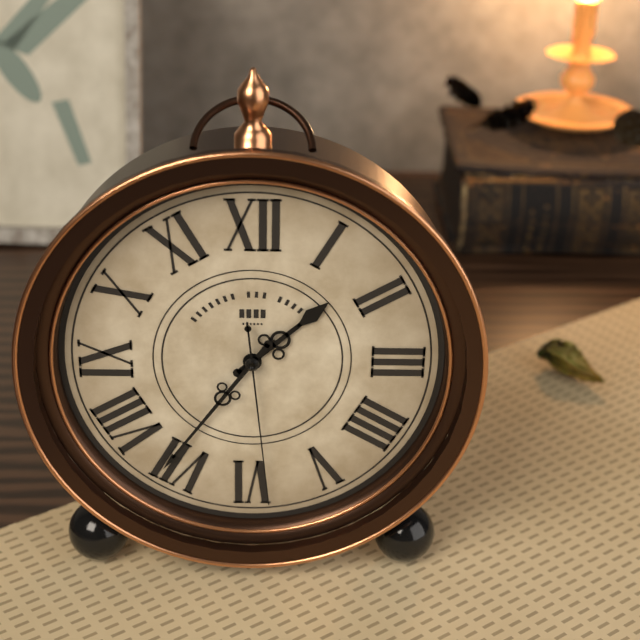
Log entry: {"hour": 1, "minute": 36, "second": 29}
